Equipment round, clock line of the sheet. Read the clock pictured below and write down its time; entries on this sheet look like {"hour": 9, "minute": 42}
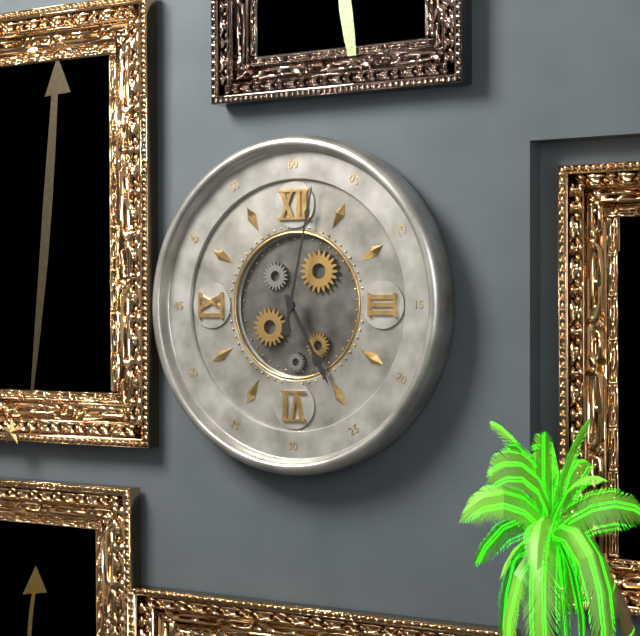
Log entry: {"hour": 5, "minute": 2}
